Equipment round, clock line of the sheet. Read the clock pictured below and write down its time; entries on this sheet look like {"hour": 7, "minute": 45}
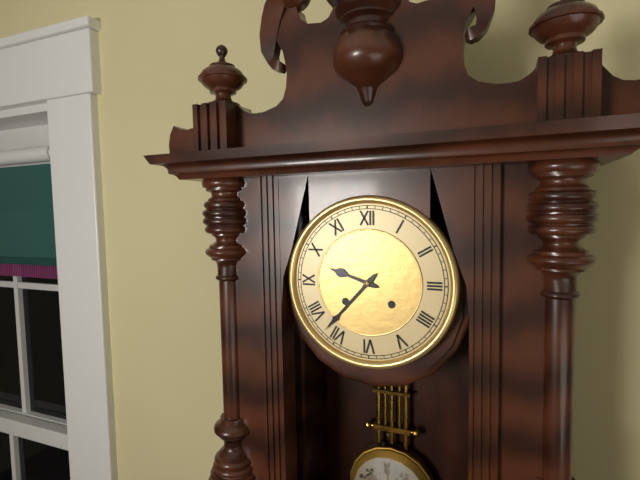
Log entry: {"hour": 9, "minute": 37}
